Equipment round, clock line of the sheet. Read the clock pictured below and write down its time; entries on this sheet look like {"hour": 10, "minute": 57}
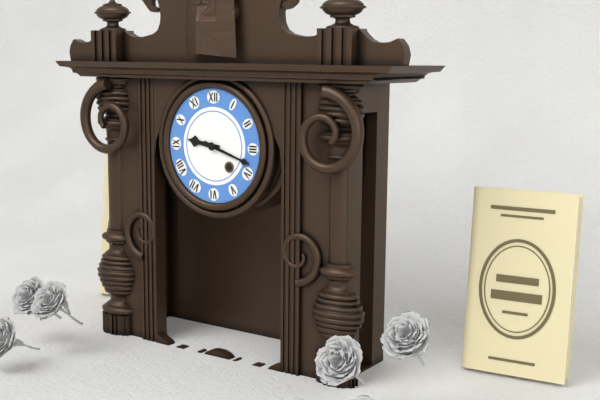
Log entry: {"hour": 9, "minute": 18}
